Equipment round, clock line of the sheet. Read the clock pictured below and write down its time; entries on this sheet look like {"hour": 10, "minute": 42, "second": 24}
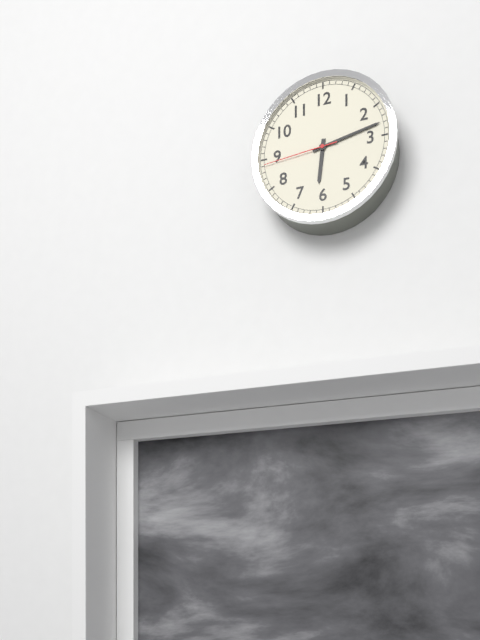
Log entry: {"hour": 6, "minute": 13, "second": 44}
